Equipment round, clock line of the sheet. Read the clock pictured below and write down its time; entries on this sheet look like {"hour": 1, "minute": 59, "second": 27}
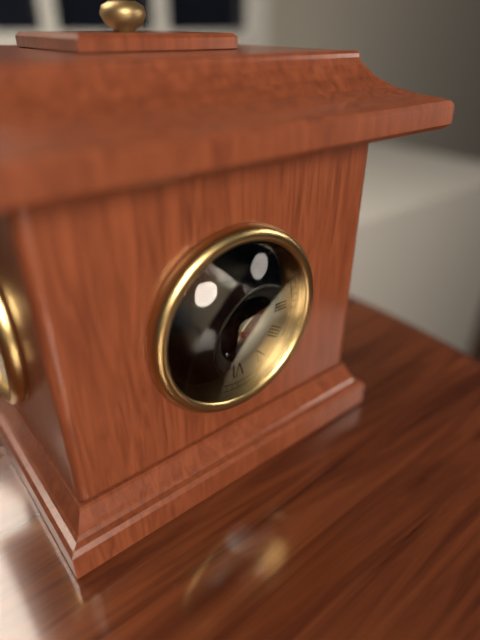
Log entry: {"hour": 12, "minute": 0, "second": 57}
